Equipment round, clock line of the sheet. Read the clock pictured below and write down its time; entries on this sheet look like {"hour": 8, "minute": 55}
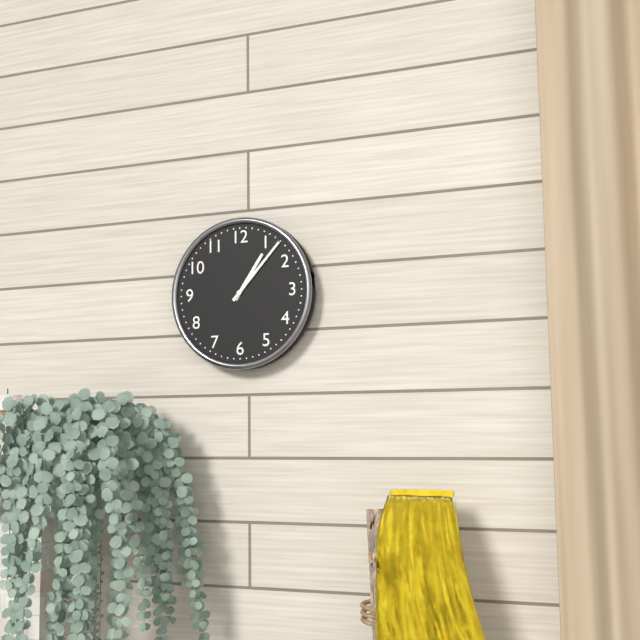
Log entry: {"hour": 1, "minute": 7}
